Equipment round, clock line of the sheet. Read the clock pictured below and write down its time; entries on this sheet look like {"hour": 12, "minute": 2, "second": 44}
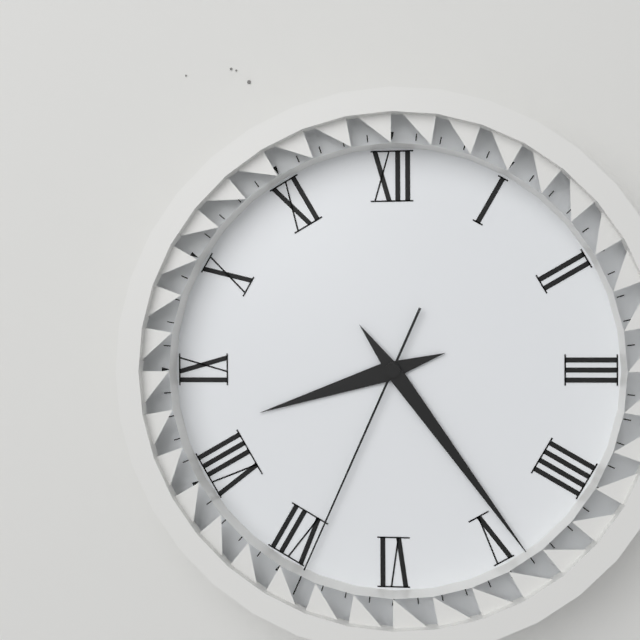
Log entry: {"hour": 8, "minute": 24, "second": 34}
